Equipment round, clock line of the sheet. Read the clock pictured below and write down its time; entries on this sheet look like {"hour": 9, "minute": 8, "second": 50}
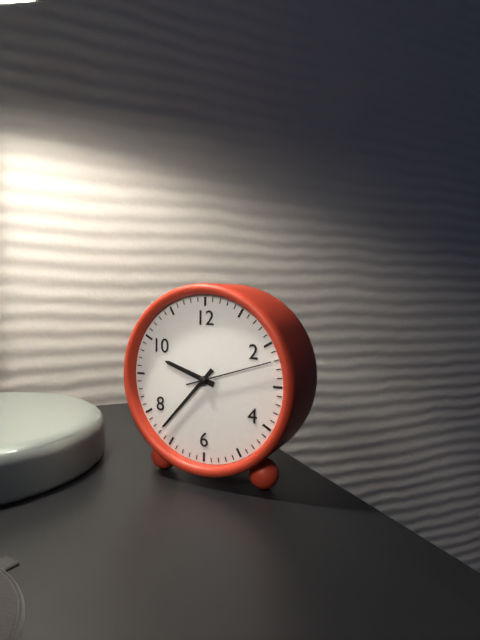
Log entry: {"hour": 9, "minute": 37, "second": 12}
